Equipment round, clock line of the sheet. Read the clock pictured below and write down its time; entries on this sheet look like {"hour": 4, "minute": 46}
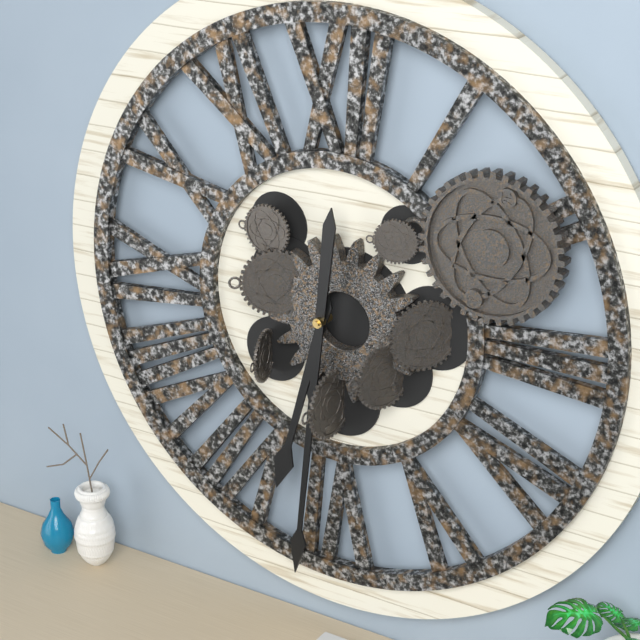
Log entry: {"hour": 6, "minute": 31}
